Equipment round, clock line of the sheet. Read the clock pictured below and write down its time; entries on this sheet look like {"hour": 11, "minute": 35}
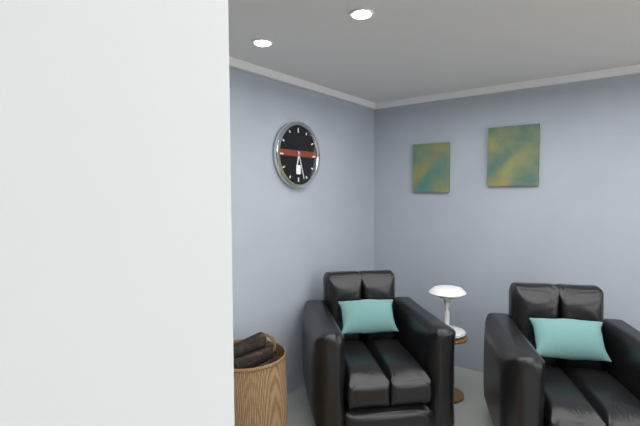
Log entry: {"hour": 6, "minute": 27}
